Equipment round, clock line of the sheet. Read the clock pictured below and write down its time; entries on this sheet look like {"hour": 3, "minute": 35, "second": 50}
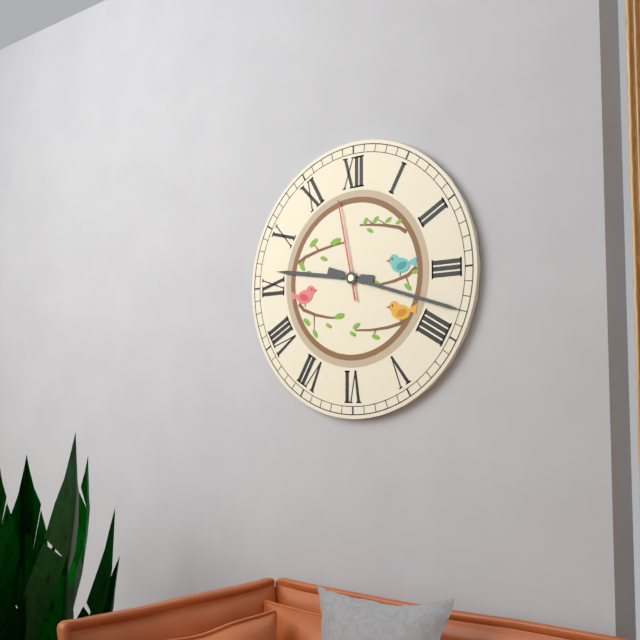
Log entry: {"hour": 9, "minute": 18, "second": 58}
